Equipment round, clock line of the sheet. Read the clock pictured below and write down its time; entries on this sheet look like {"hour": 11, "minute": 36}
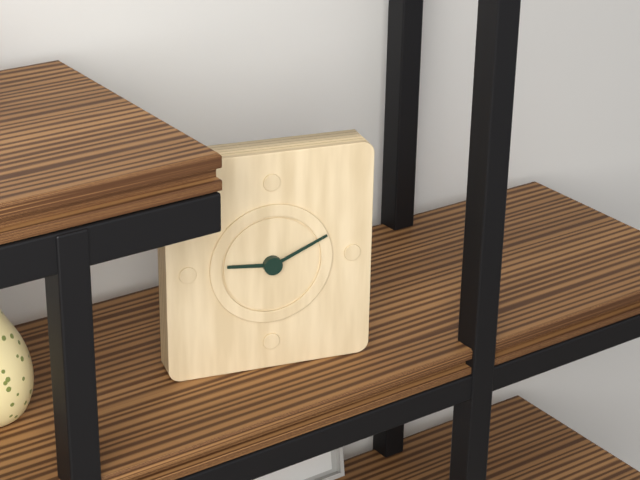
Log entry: {"hour": 9, "minute": 11}
